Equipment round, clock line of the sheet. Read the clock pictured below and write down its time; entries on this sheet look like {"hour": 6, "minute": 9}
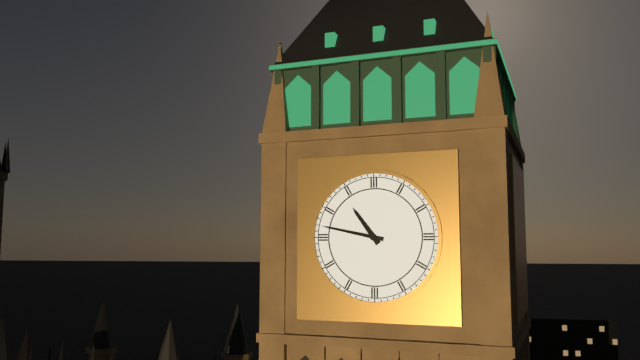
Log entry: {"hour": 10, "minute": 47}
